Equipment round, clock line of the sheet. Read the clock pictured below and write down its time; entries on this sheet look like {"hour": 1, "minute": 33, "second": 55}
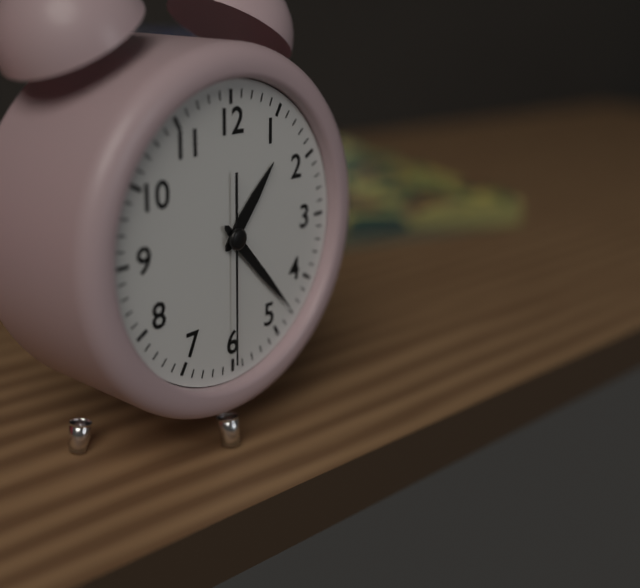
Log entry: {"hour": 1, "minute": 23, "second": 30}
